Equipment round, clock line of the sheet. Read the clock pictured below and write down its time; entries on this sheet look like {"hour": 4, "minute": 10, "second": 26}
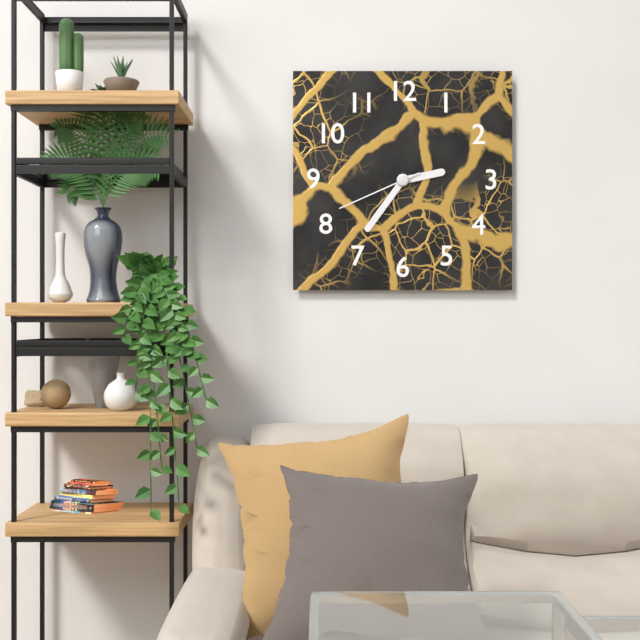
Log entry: {"hour": 2, "minute": 36, "second": 41}
